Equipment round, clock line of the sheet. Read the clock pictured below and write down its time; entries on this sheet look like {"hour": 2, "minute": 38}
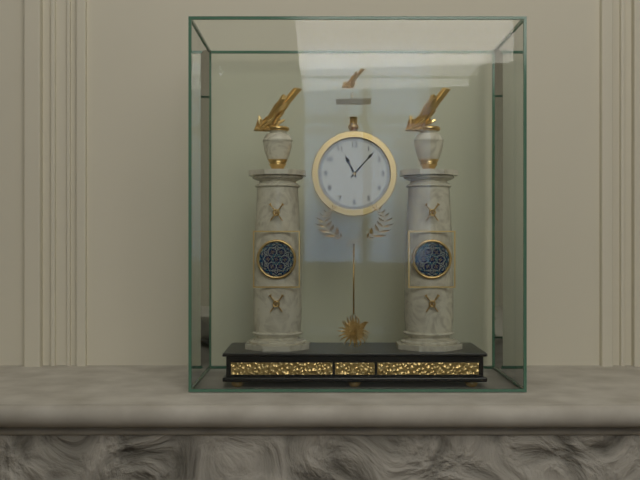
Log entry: {"hour": 11, "minute": 7}
